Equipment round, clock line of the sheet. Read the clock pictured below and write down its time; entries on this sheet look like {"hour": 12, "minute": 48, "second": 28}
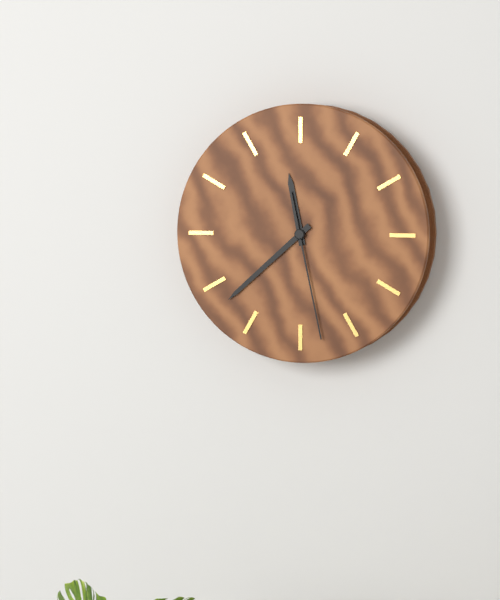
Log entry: {"hour": 11, "minute": 38, "second": 28}
